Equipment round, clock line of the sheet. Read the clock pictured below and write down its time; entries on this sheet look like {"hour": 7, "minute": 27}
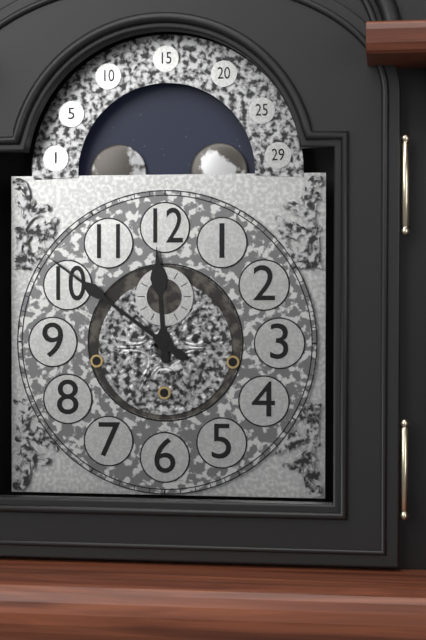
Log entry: {"hour": 11, "minute": 51}
